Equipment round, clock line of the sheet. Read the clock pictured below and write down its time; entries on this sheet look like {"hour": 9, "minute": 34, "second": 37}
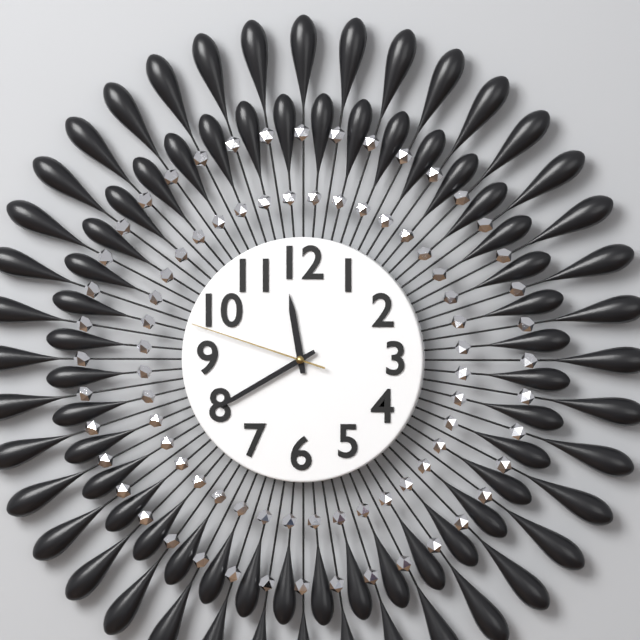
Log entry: {"hour": 11, "minute": 40, "second": 48}
